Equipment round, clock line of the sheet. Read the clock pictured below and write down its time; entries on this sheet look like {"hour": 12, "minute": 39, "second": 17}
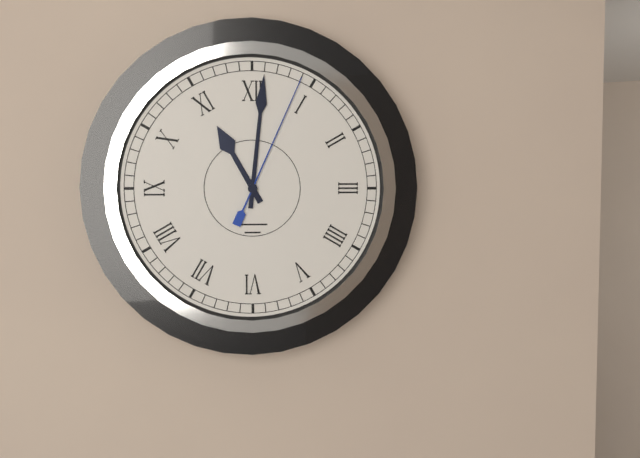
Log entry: {"hour": 11, "minute": 1, "second": 4}
